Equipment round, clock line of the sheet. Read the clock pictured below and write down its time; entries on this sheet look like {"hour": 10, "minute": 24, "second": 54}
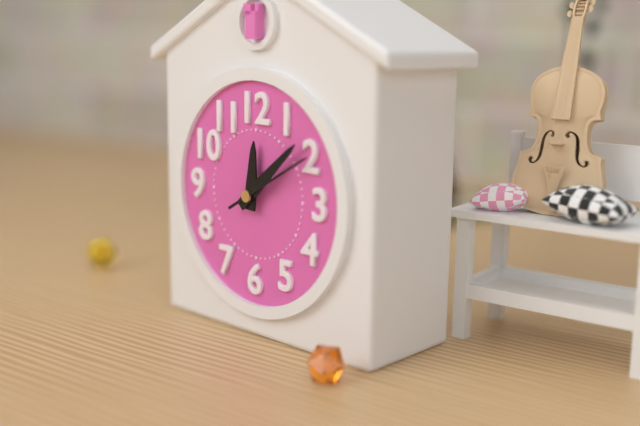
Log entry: {"hour": 12, "minute": 8, "second": 10}
